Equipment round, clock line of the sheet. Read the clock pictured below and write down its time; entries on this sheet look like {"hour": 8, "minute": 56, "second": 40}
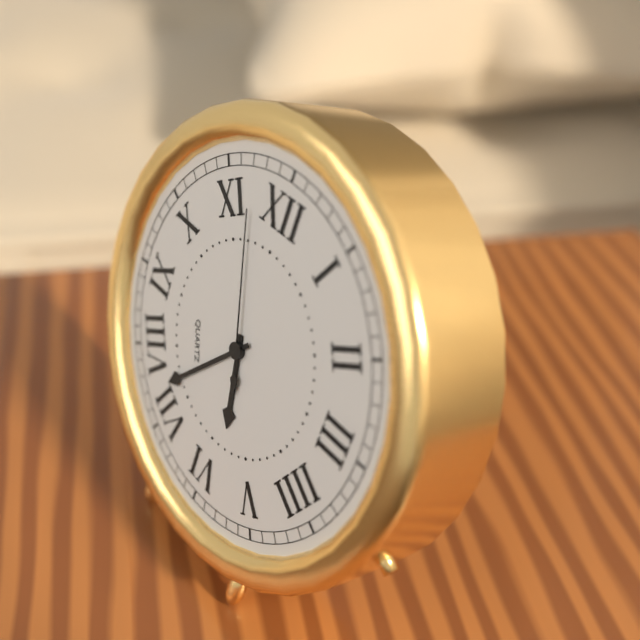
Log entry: {"hour": 5, "minute": 37, "second": 57}
